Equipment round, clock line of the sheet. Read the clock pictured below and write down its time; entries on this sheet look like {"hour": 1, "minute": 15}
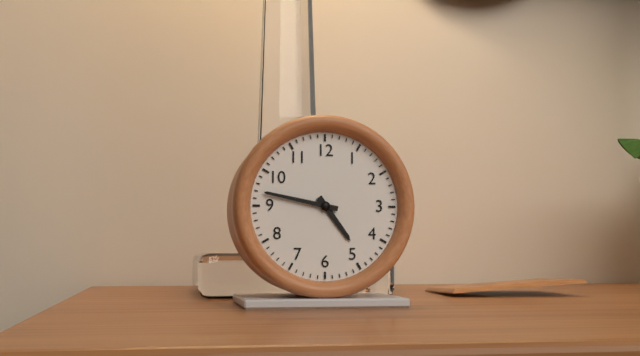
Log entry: {"hour": 4, "minute": 47}
